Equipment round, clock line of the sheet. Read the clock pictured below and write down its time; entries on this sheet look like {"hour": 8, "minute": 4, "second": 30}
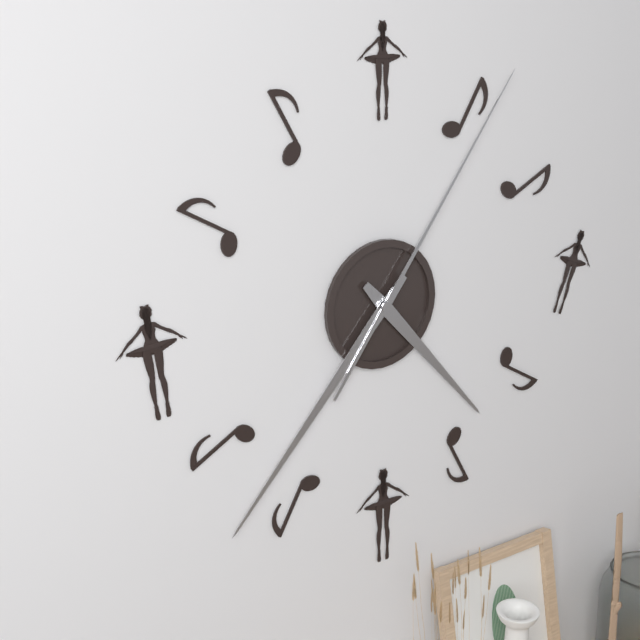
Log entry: {"hour": 4, "minute": 37, "second": 6}
